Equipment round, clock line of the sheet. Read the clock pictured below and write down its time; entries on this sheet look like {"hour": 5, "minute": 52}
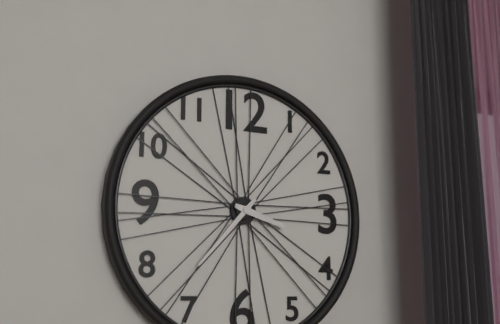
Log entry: {"hour": 3, "minute": 37}
